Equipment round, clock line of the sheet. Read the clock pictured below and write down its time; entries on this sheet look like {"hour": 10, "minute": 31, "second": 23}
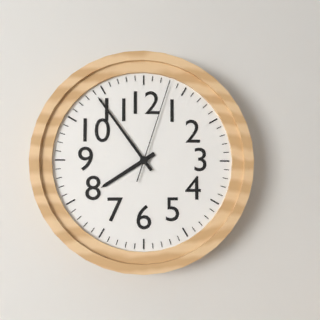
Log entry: {"hour": 7, "minute": 54, "second": 3}
